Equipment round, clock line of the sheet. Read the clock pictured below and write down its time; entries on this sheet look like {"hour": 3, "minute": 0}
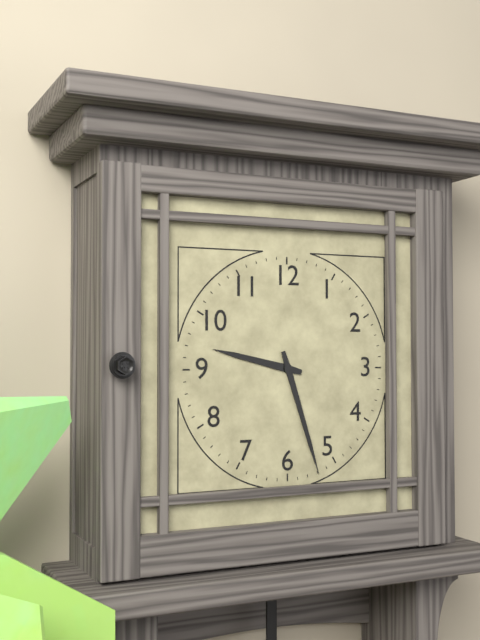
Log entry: {"hour": 9, "minute": 27}
